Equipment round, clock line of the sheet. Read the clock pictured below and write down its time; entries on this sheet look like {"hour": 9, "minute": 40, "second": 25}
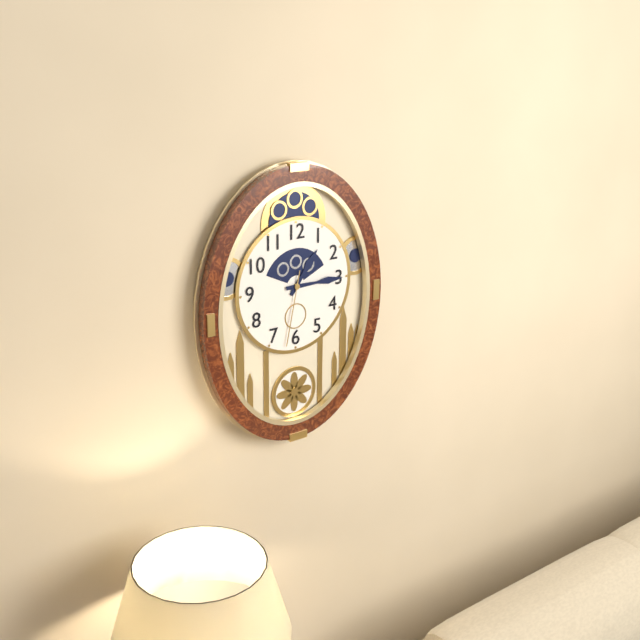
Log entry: {"hour": 1, "minute": 15, "second": 32}
